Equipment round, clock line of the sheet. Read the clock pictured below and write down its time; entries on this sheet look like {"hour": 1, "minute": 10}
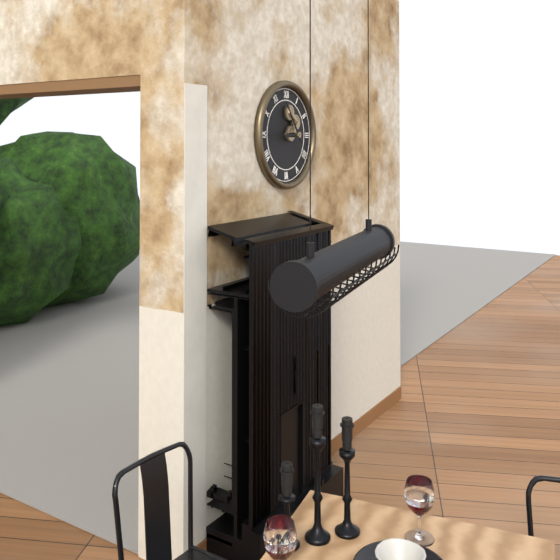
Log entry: {"hour": 8, "minute": 54}
